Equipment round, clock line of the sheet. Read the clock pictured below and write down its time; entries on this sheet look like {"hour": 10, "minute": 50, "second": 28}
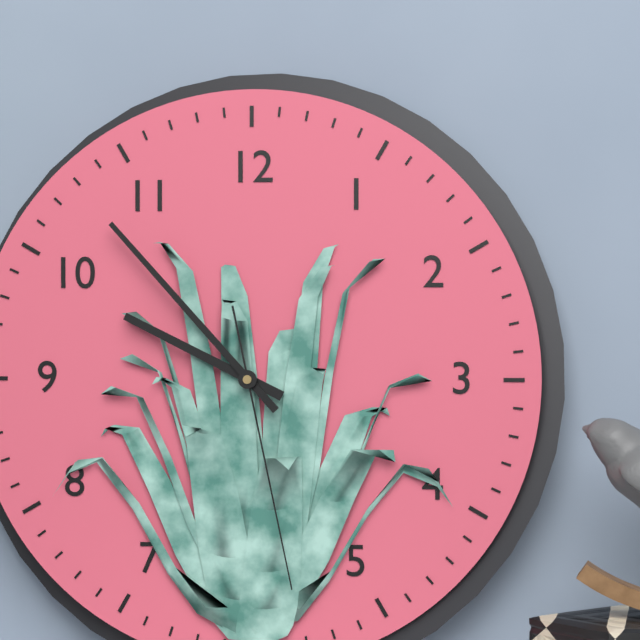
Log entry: {"hour": 9, "minute": 53, "second": 28}
